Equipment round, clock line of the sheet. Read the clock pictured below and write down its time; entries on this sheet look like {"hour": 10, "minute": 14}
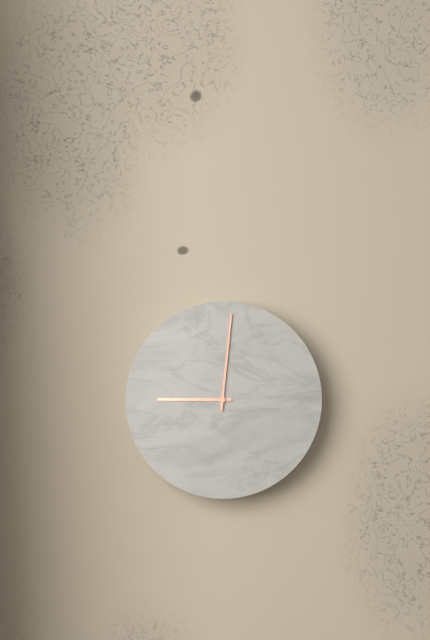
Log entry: {"hour": 9, "minute": 1}
